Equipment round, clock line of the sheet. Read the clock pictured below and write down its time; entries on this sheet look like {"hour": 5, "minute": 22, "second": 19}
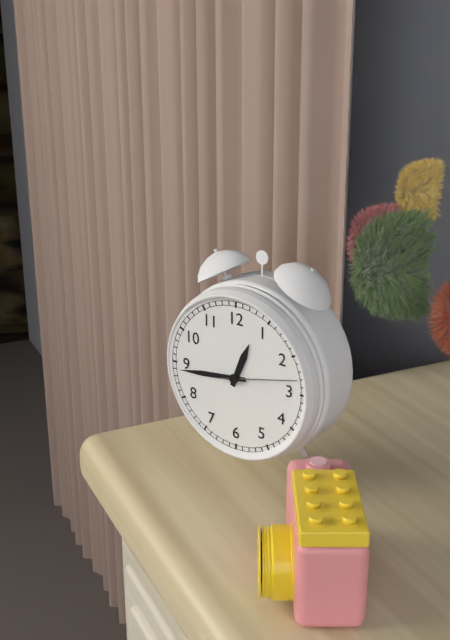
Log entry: {"hour": 12, "minute": 44, "second": 13}
